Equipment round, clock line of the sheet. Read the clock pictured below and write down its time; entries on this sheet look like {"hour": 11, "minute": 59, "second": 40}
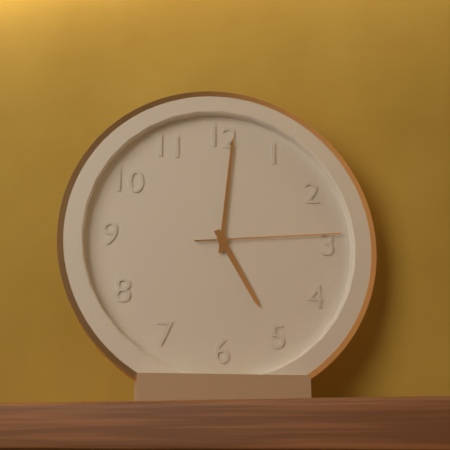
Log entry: {"hour": 5, "minute": 1, "second": 14}
